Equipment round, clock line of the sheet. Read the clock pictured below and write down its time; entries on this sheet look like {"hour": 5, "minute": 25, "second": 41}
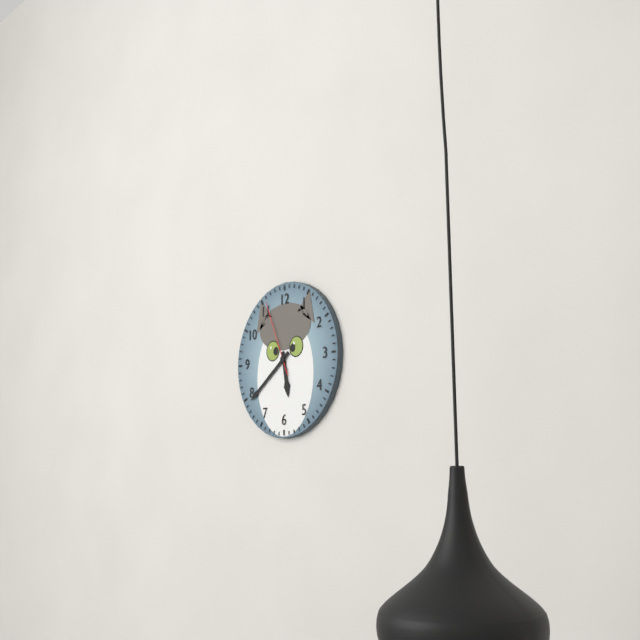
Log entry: {"hour": 5, "minute": 39, "second": 56}
